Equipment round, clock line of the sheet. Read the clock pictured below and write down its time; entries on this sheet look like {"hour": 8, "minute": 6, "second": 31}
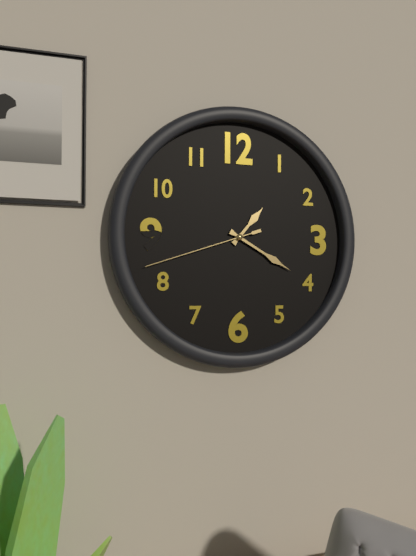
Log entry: {"hour": 1, "minute": 20, "second": 42}
